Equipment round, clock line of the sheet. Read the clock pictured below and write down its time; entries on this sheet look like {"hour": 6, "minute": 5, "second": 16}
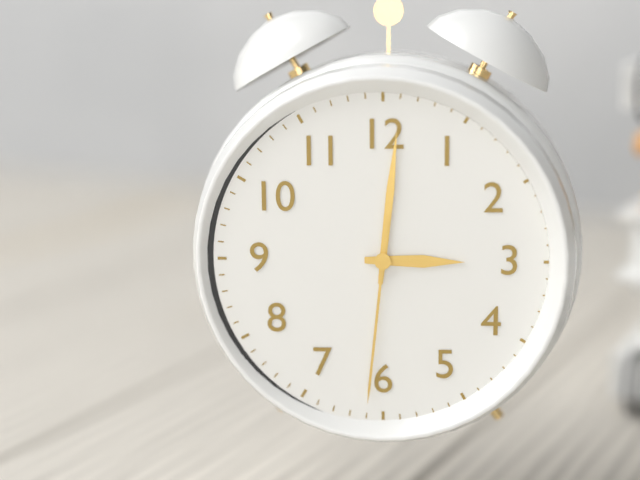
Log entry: {"hour": 3, "minute": 1, "second": 31}
